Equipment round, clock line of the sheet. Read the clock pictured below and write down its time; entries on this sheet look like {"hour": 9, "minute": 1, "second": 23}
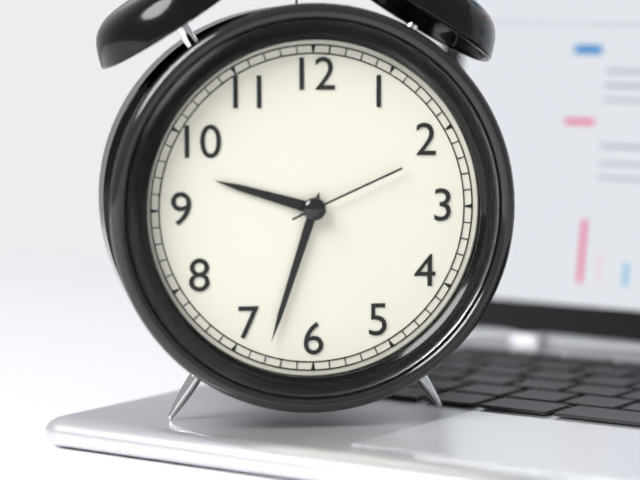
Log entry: {"hour": 9, "minute": 33, "second": 11}
